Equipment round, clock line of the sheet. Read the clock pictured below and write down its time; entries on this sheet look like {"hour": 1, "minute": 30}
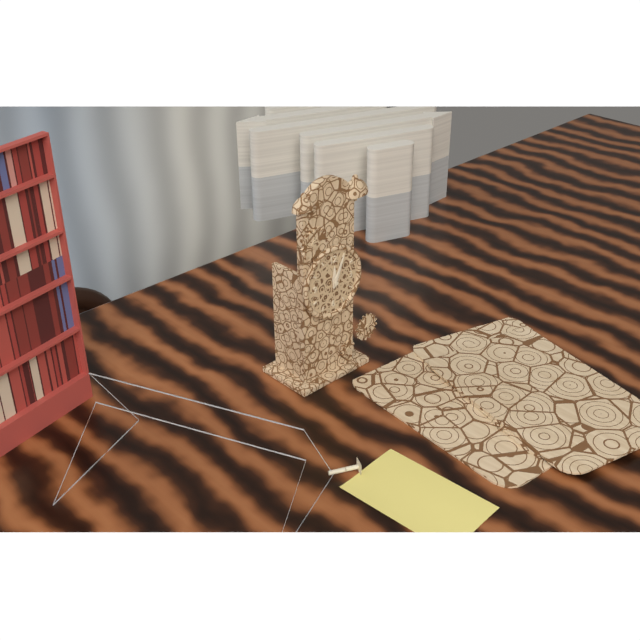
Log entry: {"hour": 12, "minute": 4}
